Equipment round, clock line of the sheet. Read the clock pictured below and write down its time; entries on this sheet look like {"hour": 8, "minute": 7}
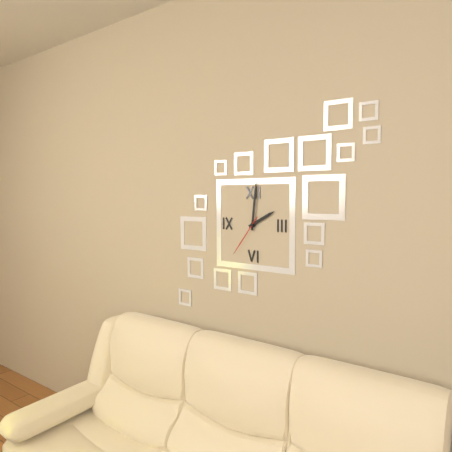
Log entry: {"hour": 2, "minute": 1}
